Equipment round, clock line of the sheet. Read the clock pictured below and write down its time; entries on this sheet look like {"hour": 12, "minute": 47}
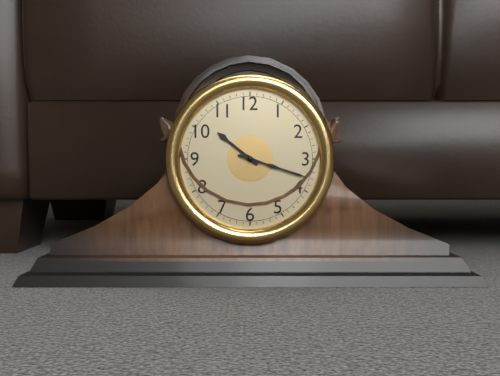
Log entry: {"hour": 10, "minute": 18}
